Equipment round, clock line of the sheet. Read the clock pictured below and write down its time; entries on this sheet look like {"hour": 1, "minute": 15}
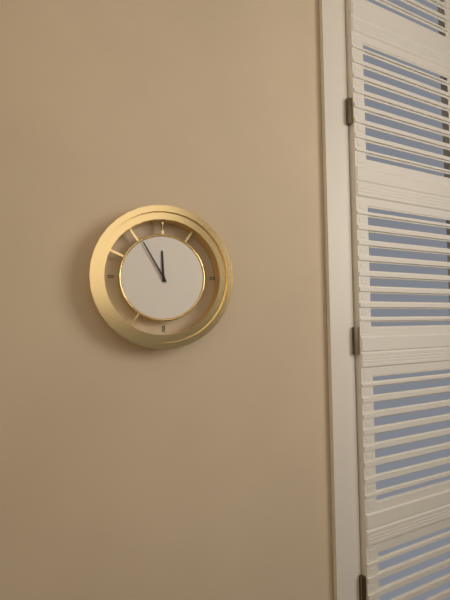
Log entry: {"hour": 11, "minute": 55}
